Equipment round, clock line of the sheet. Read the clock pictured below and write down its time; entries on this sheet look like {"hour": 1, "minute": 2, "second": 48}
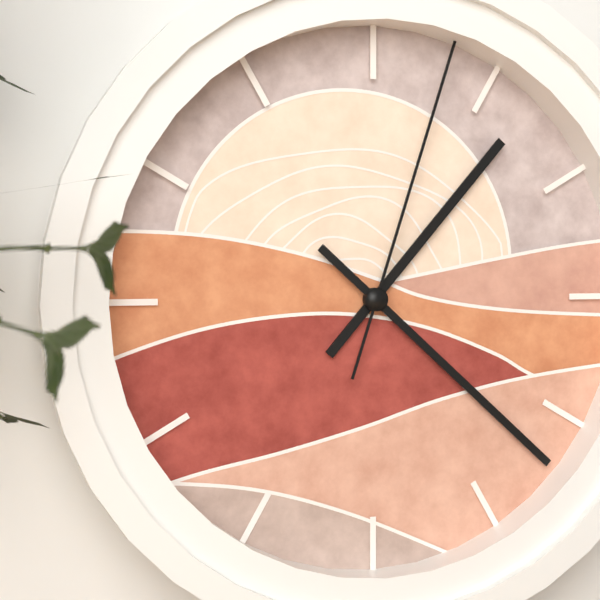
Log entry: {"hour": 1, "minute": 22, "second": 3}
